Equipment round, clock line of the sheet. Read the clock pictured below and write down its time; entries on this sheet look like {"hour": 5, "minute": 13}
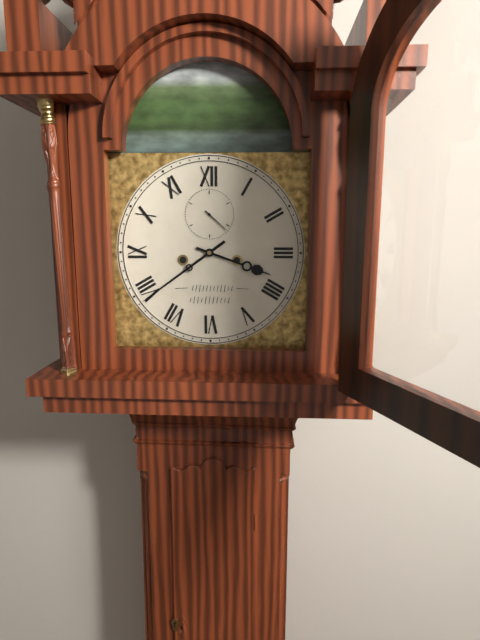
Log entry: {"hour": 3, "minute": 39}
